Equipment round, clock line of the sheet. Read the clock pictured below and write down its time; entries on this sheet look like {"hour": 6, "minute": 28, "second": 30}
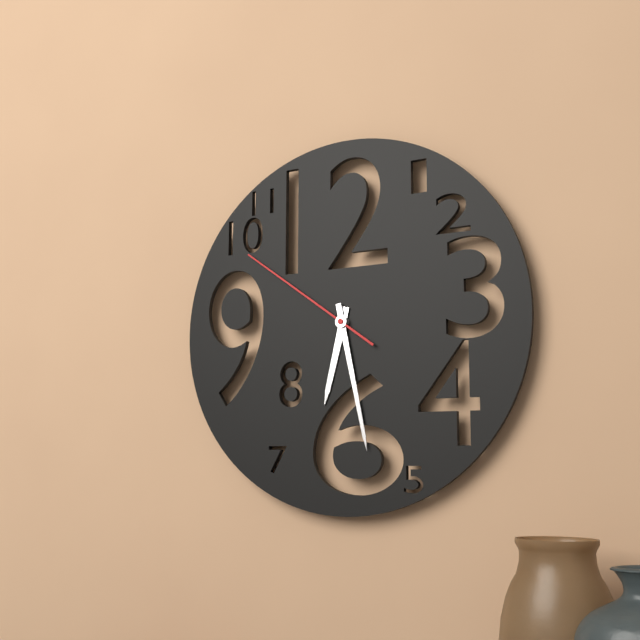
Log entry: {"hour": 6, "minute": 28, "second": 51}
